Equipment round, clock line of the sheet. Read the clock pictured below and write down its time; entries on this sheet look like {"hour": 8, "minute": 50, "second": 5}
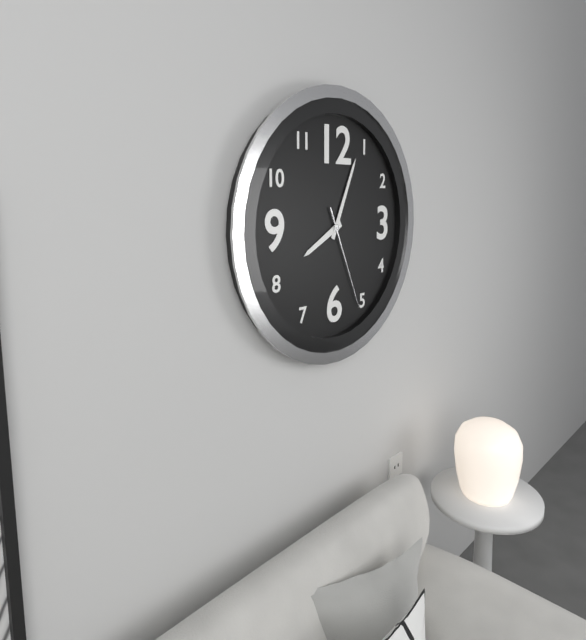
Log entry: {"hour": 8, "minute": 4, "second": 26}
